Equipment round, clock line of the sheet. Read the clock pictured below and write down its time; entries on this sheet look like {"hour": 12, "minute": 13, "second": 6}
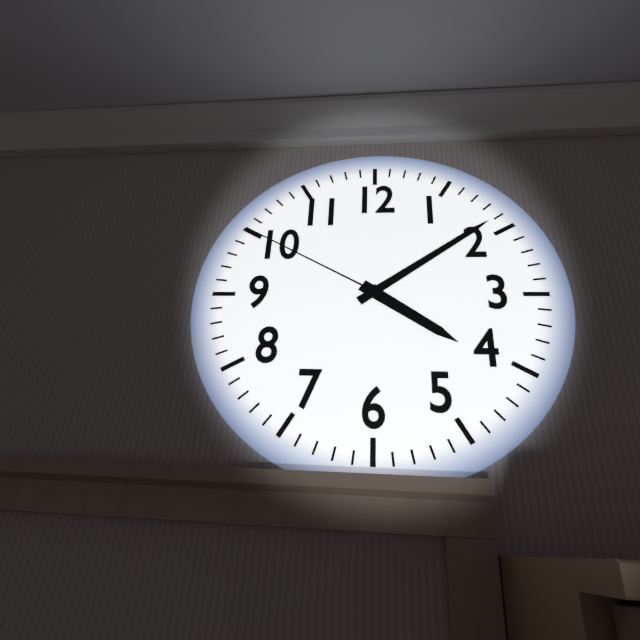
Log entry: {"hour": 4, "minute": 9, "second": 50}
